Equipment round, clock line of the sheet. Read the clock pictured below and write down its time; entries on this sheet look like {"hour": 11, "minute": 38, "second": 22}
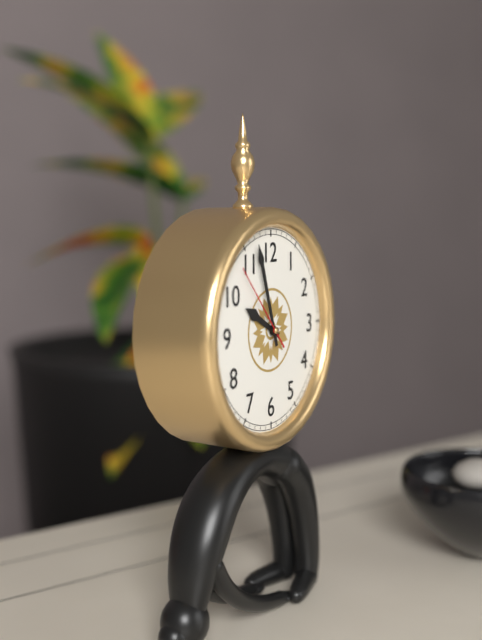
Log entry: {"hour": 9, "minute": 57, "second": 53}
